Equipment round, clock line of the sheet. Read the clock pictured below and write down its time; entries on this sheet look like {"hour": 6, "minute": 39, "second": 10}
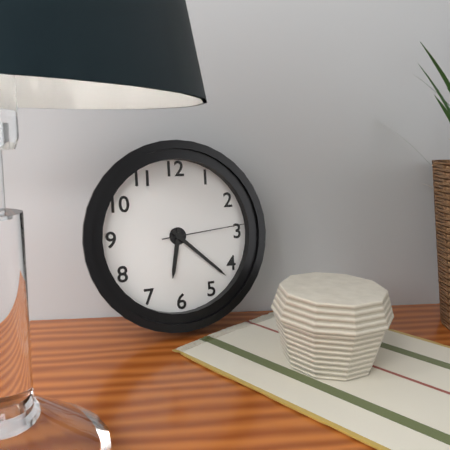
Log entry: {"hour": 6, "minute": 22, "second": 14}
